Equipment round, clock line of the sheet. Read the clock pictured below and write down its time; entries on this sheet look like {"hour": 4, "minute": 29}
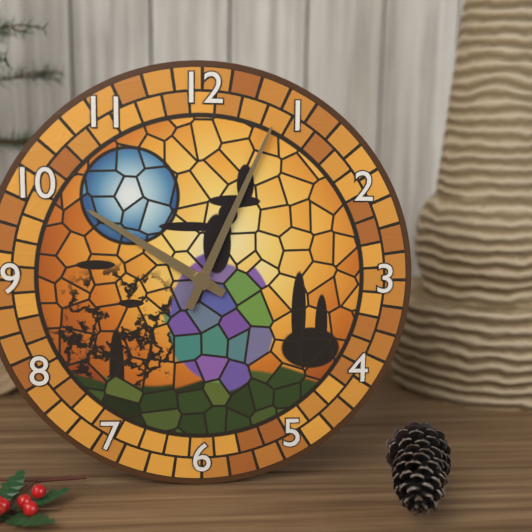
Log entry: {"hour": 10, "minute": 4}
